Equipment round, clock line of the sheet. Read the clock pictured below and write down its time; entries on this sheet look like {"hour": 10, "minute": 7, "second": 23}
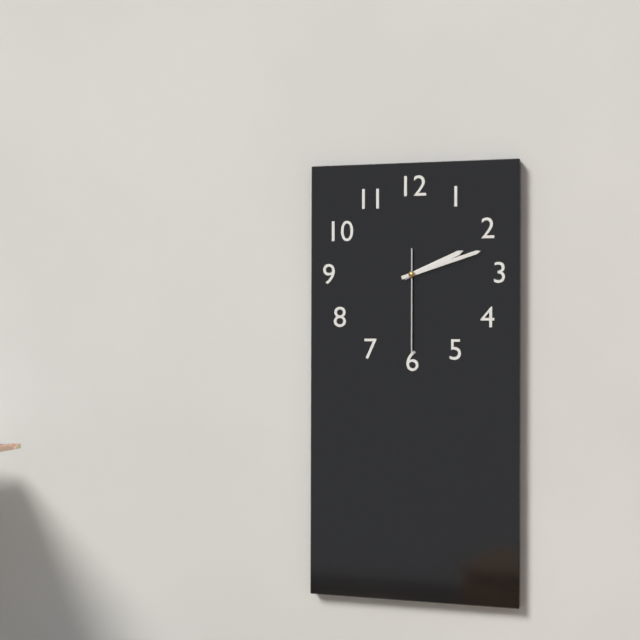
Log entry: {"hour": 2, "minute": 12, "second": 30}
